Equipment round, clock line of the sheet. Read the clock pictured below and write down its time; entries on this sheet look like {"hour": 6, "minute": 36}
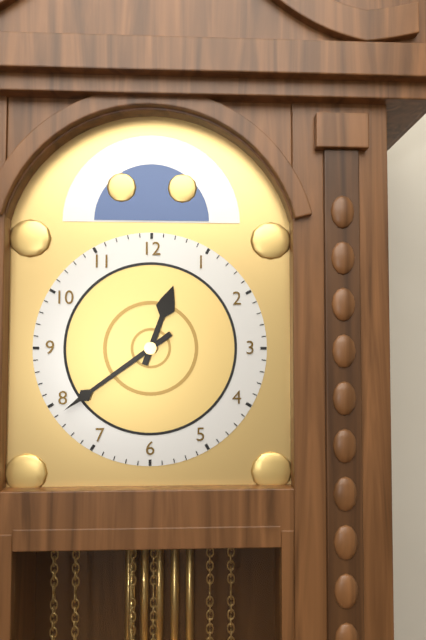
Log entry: {"hour": 12, "minute": 39}
